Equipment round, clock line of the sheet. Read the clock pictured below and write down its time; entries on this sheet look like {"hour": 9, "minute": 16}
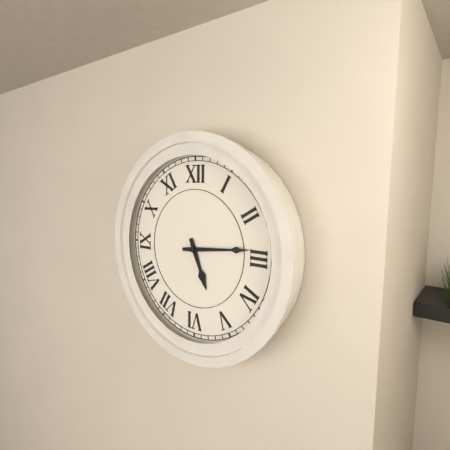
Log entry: {"hour": 5, "minute": 14}
